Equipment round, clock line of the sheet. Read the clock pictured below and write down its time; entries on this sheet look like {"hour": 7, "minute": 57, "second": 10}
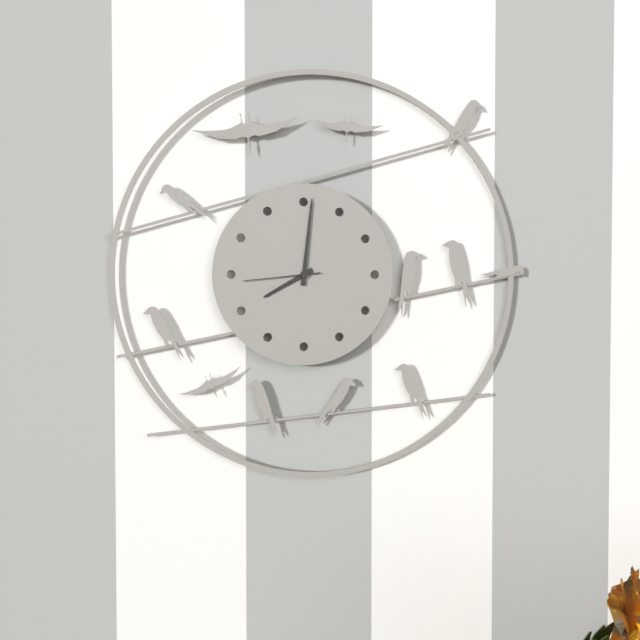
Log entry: {"hour": 8, "minute": 1, "second": 44}
